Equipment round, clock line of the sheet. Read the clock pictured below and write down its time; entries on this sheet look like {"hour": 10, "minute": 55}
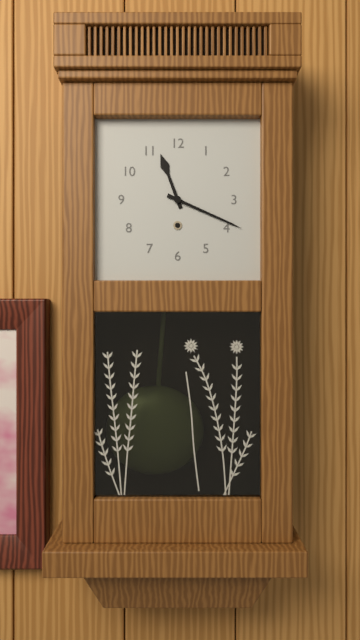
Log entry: {"hour": 11, "minute": 19}
